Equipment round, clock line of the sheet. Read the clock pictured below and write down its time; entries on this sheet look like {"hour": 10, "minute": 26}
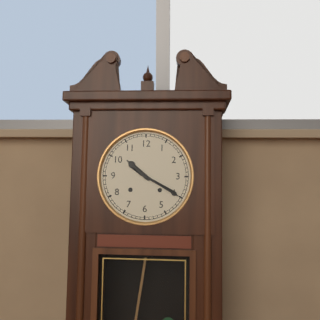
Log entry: {"hour": 10, "minute": 20}
